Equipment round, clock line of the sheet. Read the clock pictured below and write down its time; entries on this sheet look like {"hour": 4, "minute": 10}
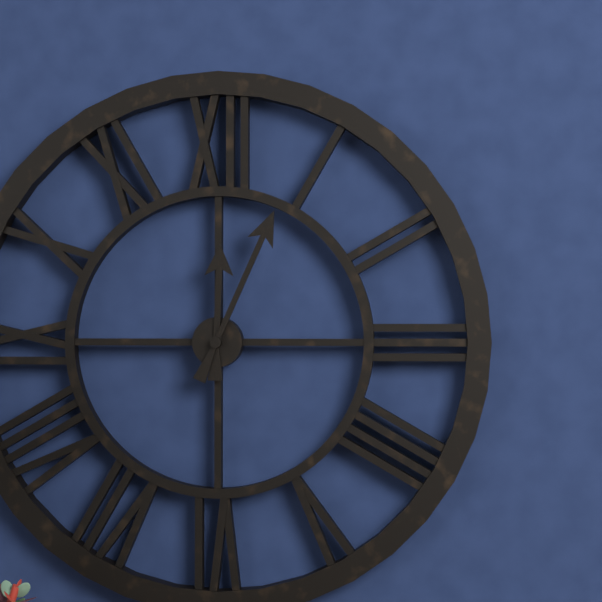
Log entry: {"hour": 12, "minute": 4}
